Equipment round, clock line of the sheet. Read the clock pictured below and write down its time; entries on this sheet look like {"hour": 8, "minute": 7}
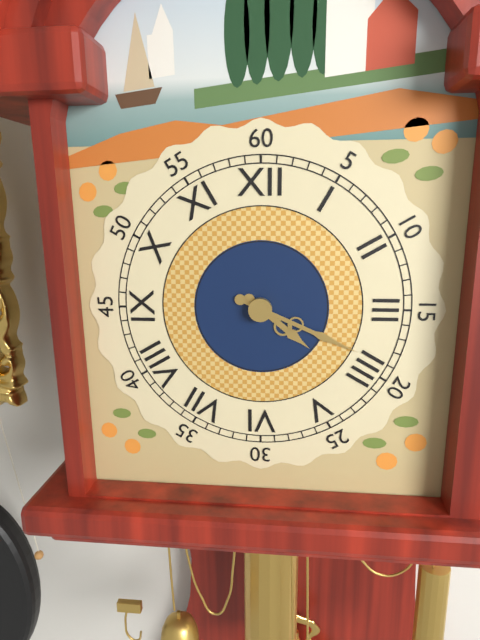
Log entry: {"hour": 4, "minute": 19}
